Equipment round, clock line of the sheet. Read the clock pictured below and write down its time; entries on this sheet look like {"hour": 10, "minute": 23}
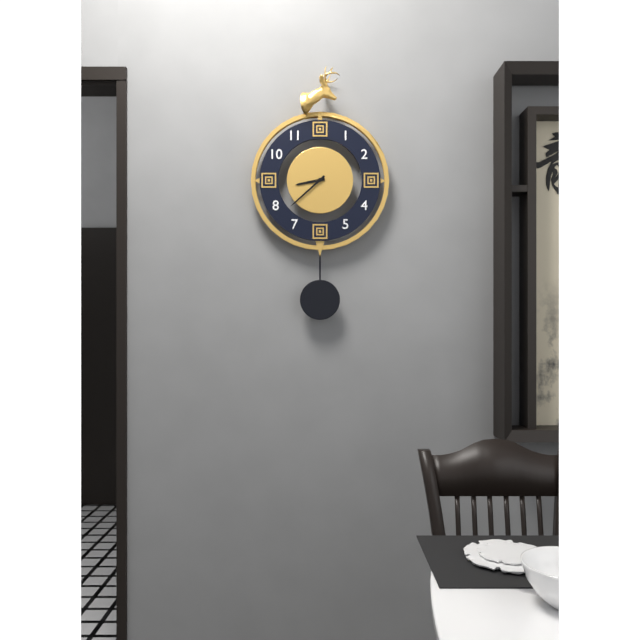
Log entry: {"hour": 8, "minute": 38}
